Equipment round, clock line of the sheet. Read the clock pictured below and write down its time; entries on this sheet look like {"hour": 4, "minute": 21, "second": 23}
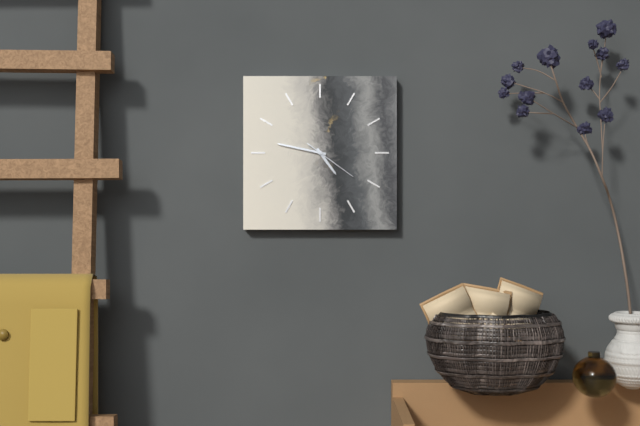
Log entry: {"hour": 4, "minute": 47, "second": 21}
